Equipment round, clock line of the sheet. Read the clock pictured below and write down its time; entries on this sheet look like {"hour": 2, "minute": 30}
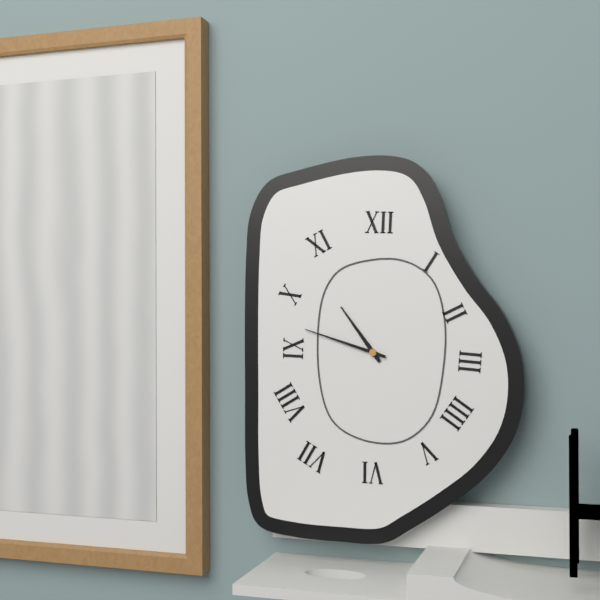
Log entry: {"hour": 10, "minute": 48}
